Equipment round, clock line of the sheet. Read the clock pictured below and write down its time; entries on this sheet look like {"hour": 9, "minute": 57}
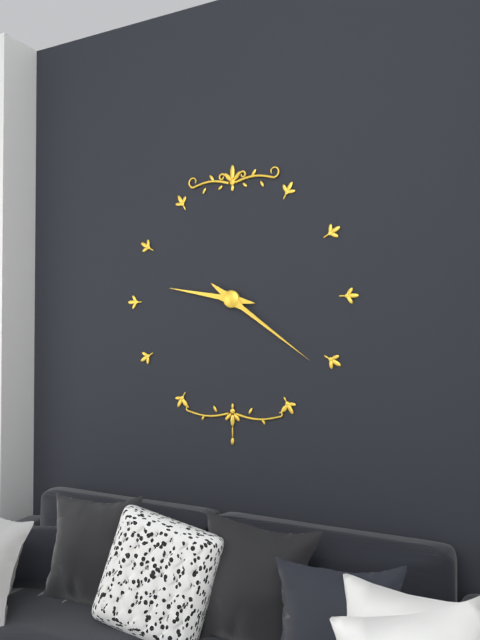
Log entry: {"hour": 9, "minute": 21}
